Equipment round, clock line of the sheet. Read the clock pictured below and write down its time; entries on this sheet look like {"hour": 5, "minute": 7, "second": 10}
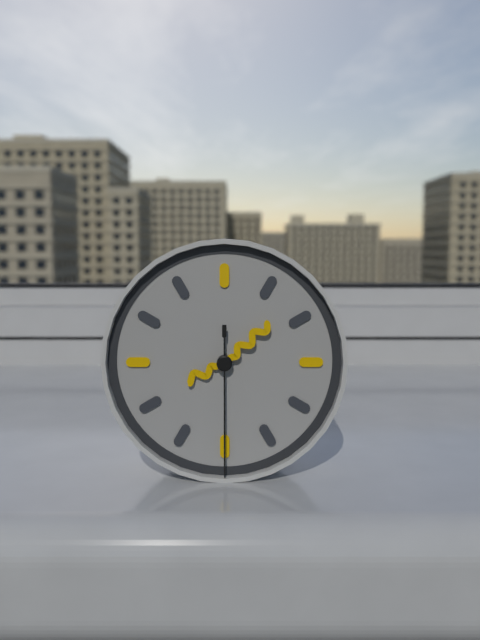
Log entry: {"hour": 8, "minute": 8, "second": 30}
